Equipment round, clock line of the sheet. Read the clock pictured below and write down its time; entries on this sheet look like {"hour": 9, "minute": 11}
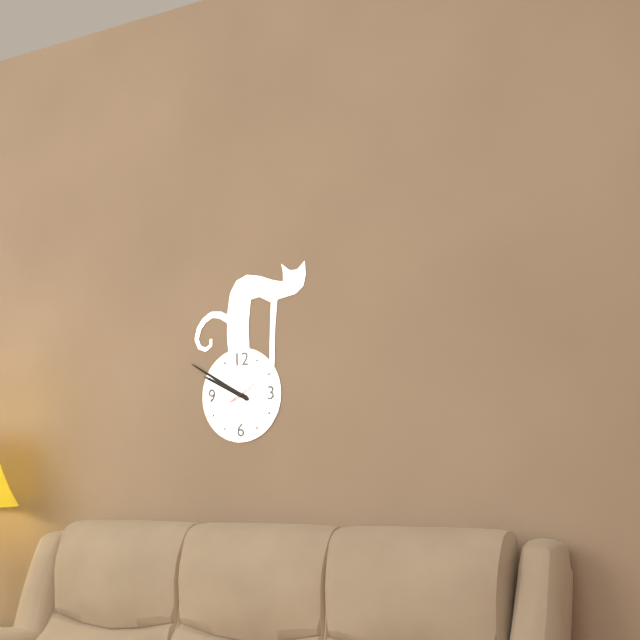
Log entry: {"hour": 9, "minute": 50}
